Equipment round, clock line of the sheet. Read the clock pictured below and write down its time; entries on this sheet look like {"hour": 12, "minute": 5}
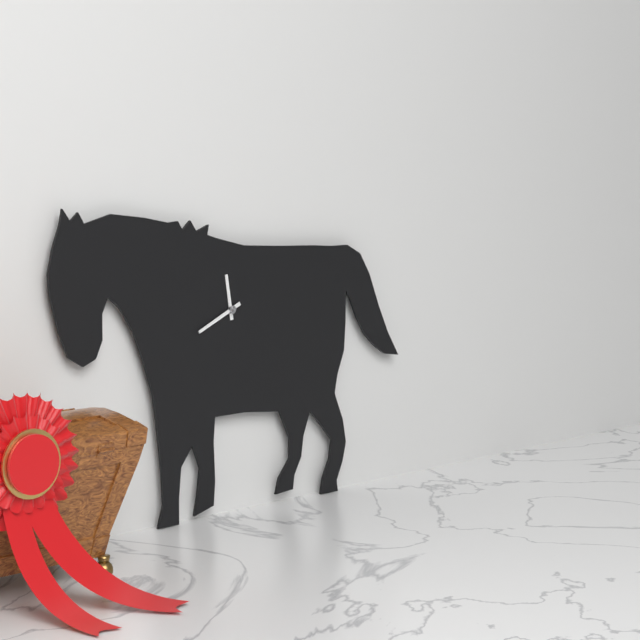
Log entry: {"hour": 11, "minute": 41}
